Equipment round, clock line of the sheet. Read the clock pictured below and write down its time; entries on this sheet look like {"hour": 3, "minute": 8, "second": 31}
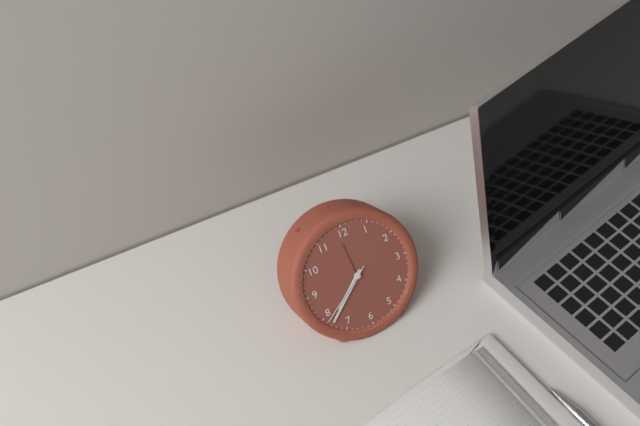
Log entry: {"hour": 7, "minute": 38, "second": 39}
